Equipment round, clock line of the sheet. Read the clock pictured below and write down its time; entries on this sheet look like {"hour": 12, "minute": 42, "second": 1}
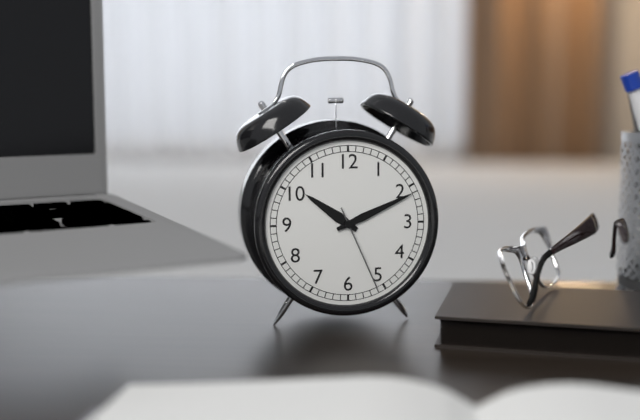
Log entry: {"hour": 10, "minute": 11, "second": 26}
